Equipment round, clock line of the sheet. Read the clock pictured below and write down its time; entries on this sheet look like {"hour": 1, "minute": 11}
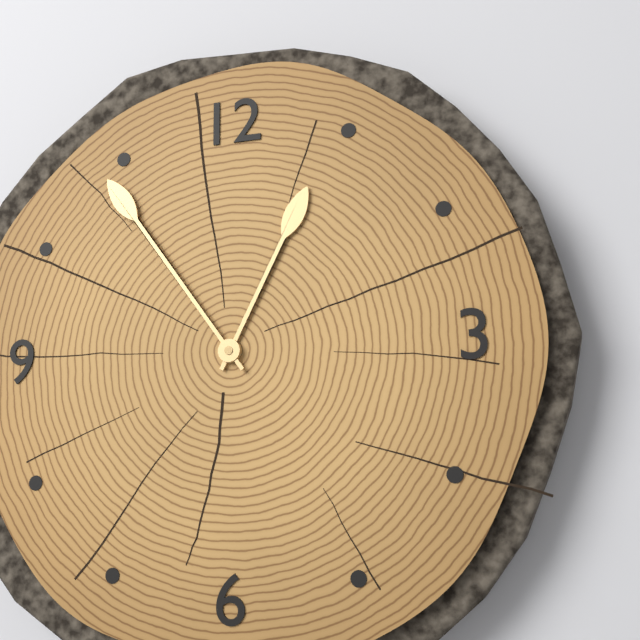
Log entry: {"hour": 12, "minute": 54}
